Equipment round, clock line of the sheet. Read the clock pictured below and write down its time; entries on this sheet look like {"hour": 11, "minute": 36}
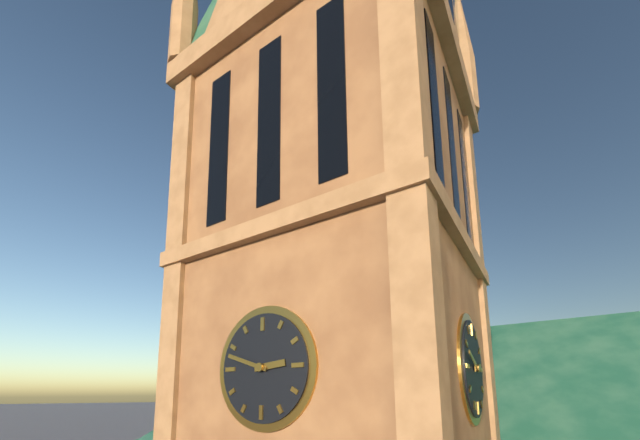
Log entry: {"hour": 2, "minute": 48}
